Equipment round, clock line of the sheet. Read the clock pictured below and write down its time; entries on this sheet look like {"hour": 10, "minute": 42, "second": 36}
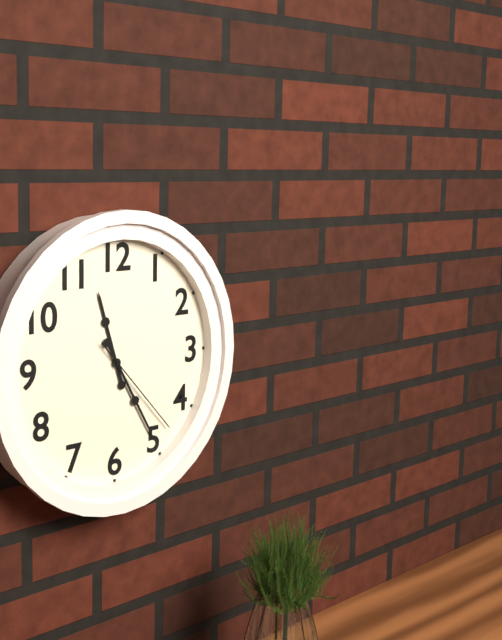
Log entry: {"hour": 11, "minute": 25, "second": 23}
